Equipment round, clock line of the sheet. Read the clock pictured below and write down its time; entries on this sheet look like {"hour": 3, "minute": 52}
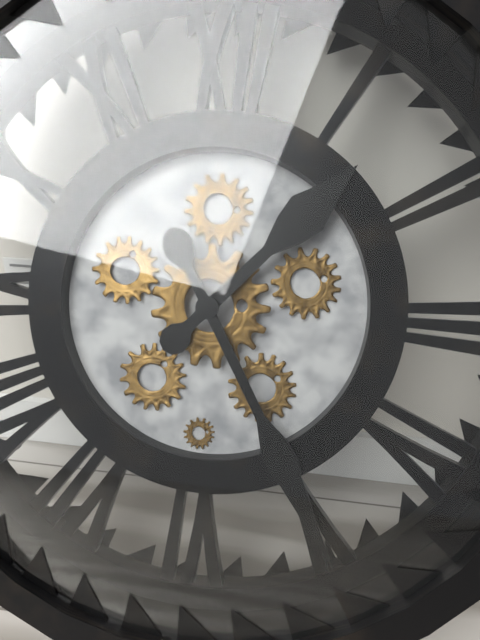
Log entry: {"hour": 1, "minute": 25}
